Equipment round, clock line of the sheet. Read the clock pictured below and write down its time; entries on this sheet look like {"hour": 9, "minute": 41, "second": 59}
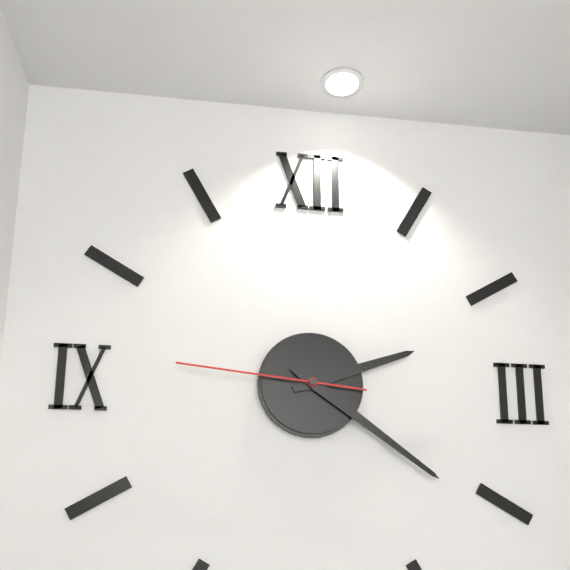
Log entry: {"hour": 2, "minute": 21, "second": 46}
